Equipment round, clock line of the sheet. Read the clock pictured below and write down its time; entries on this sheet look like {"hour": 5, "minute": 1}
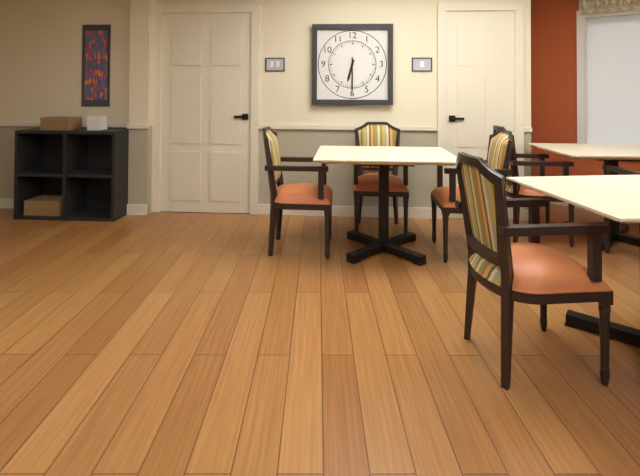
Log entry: {"hour": 6, "minute": 30}
